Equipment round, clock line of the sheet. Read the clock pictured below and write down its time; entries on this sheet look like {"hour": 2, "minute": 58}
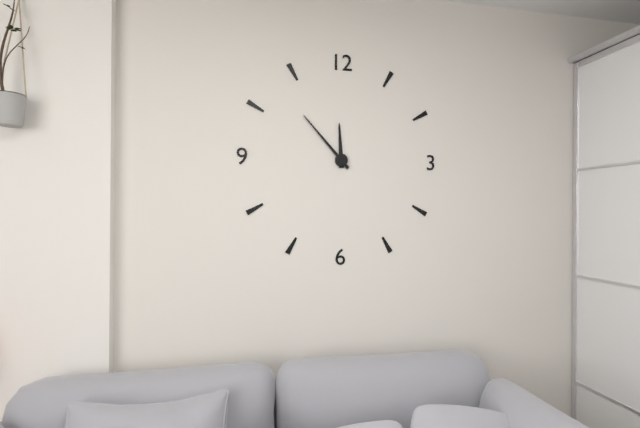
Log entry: {"hour": 11, "minute": 53}
